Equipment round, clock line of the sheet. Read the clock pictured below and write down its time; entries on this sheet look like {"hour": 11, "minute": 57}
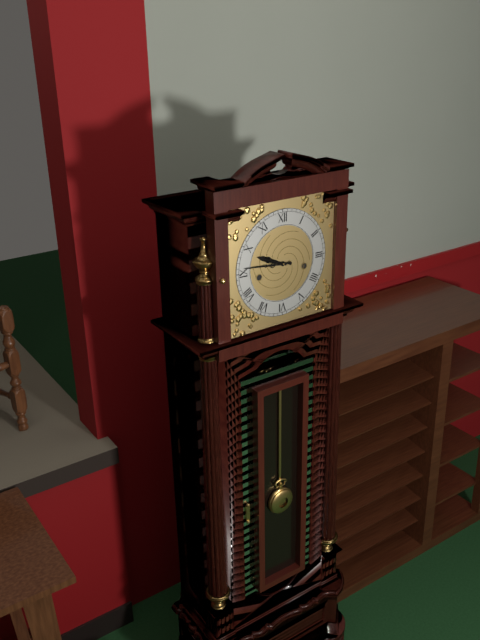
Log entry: {"hour": 9, "minute": 46}
